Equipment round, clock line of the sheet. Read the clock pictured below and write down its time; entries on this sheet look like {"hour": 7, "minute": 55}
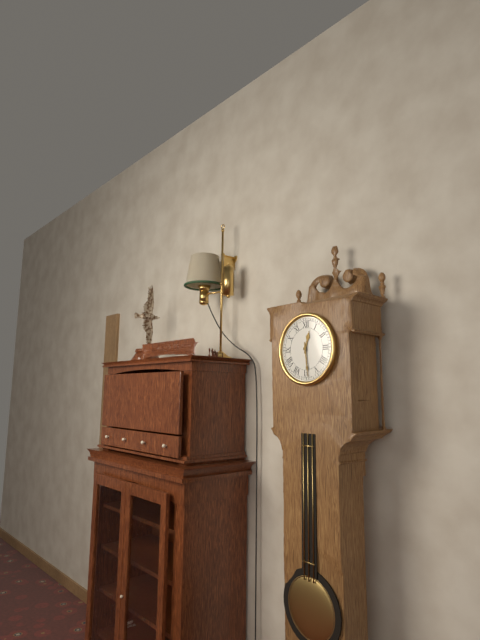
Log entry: {"hour": 12, "minute": 29}
